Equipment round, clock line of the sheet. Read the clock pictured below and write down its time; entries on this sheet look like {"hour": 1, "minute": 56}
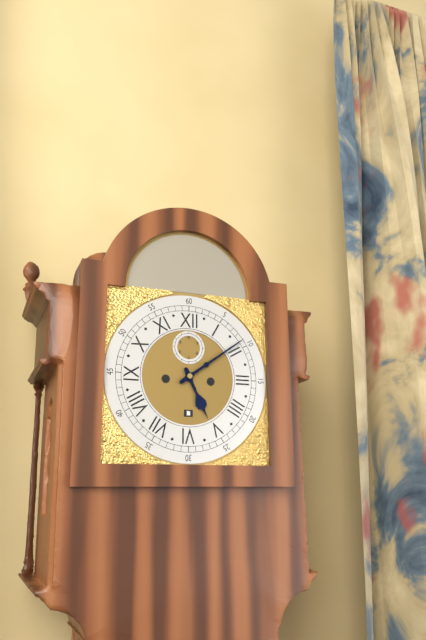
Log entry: {"hour": 5, "minute": 9}
